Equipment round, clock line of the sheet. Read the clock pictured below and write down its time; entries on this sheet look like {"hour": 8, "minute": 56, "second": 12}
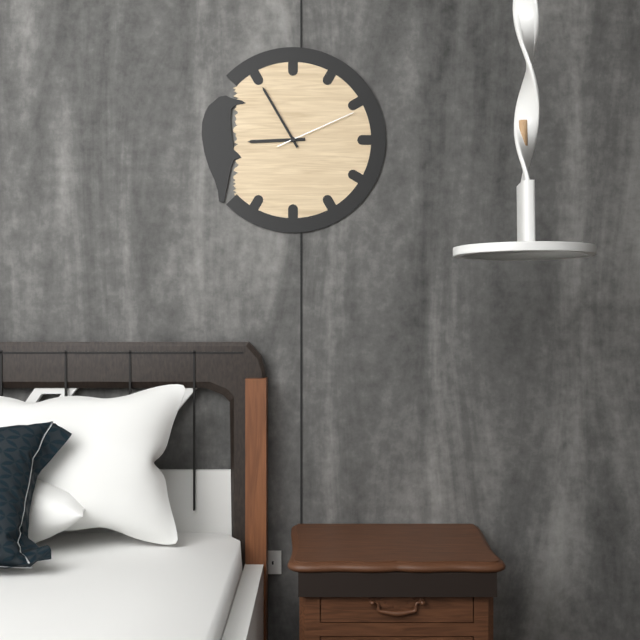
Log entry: {"hour": 8, "minute": 55, "second": 11}
